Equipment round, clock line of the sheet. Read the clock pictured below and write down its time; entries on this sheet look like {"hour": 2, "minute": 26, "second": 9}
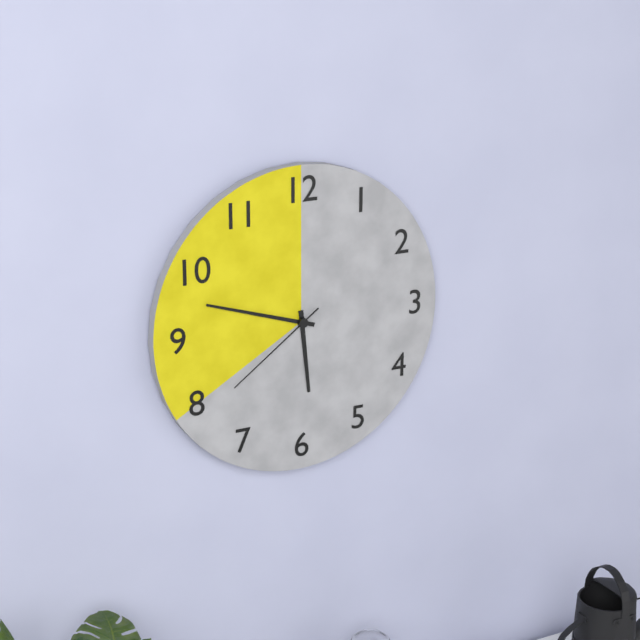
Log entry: {"hour": 5, "minute": 48, "second": 39}
